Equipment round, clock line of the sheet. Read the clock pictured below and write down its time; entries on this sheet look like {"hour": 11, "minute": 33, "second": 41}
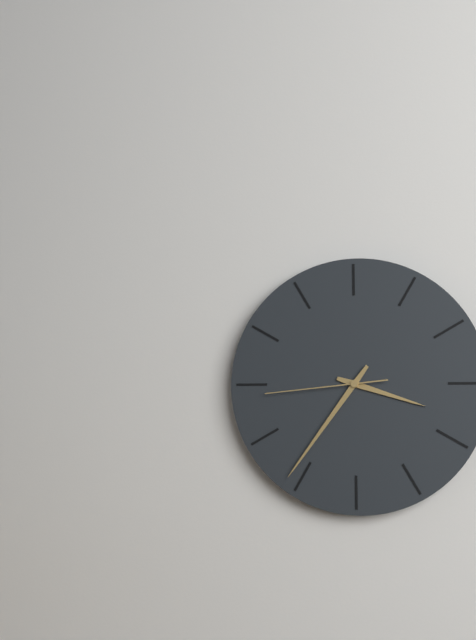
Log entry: {"hour": 3, "minute": 36, "second": 44}
